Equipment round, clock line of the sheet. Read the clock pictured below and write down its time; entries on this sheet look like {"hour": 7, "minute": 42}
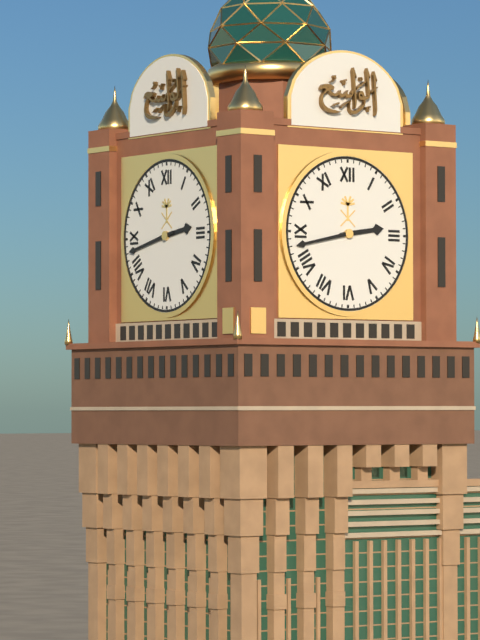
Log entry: {"hour": 2, "minute": 43}
